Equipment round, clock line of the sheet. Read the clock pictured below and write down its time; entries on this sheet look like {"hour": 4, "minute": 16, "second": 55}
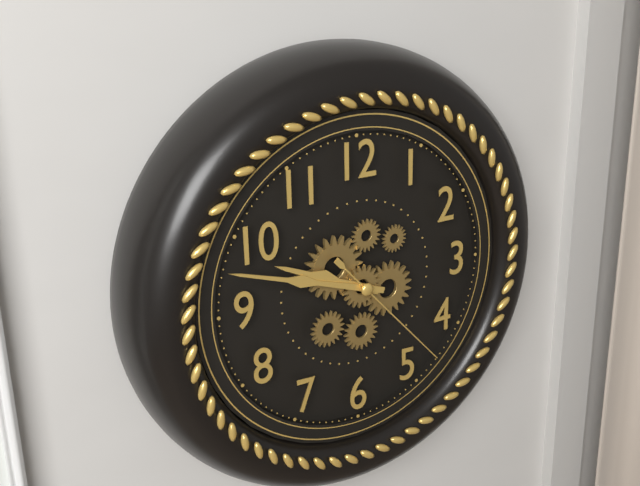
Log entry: {"hour": 9, "minute": 48, "second": 23}
